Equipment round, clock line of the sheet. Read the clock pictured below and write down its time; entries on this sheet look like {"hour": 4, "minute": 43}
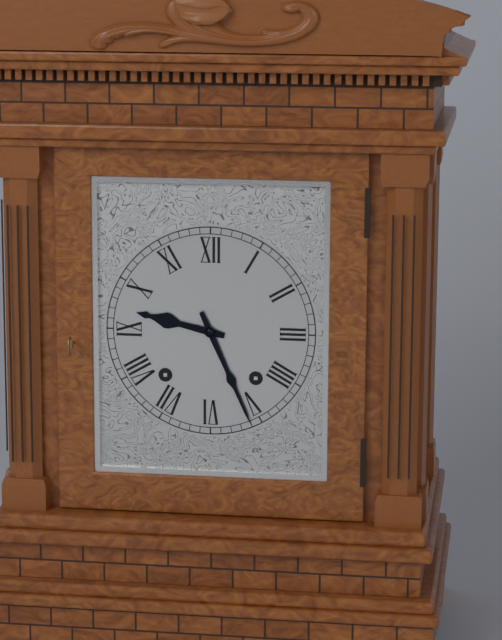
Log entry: {"hour": 9, "minute": 26}
